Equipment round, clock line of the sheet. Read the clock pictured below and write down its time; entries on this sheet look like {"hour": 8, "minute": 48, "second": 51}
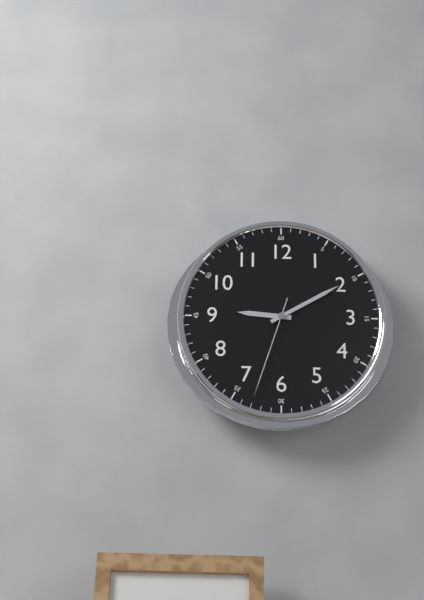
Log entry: {"hour": 9, "minute": 10, "second": 33}
